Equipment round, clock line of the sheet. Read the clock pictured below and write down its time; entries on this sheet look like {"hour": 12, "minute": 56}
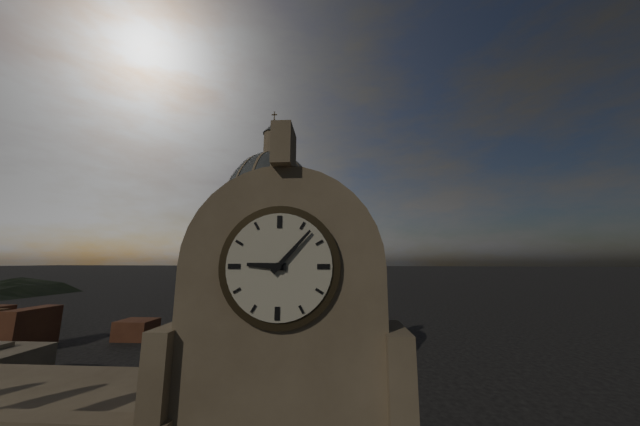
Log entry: {"hour": 9, "minute": 7}
